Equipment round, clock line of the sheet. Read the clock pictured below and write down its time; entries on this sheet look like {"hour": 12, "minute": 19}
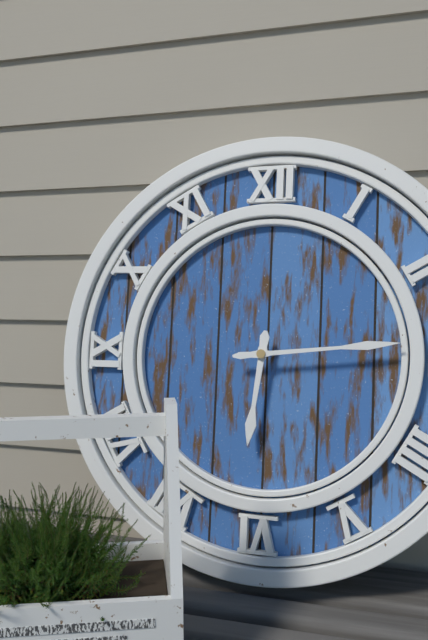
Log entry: {"hour": 6, "minute": 14}
